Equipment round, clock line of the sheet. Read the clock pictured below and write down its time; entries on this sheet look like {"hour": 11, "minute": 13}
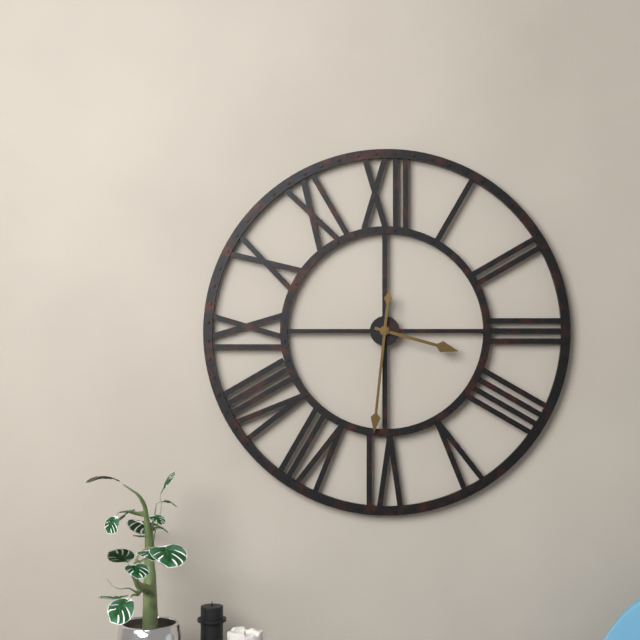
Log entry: {"hour": 3, "minute": 31}
